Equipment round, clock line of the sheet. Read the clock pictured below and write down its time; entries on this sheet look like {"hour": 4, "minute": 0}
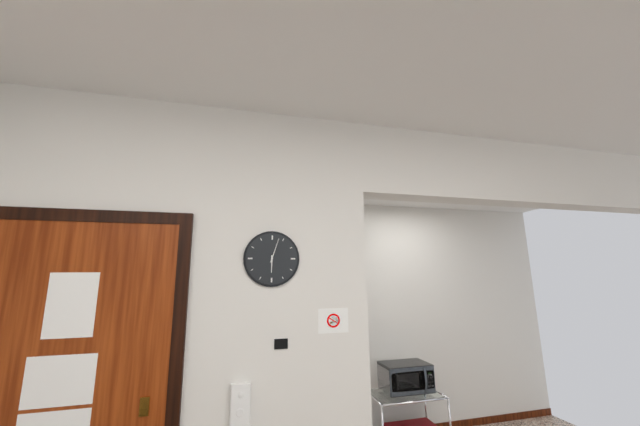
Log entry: {"hour": 6, "minute": 3}
